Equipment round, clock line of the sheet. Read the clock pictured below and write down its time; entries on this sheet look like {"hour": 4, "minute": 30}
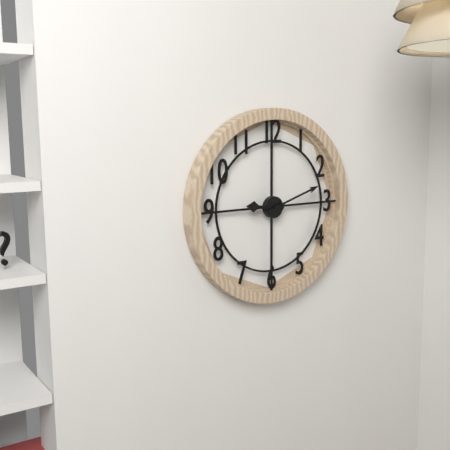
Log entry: {"hour": 9, "minute": 12}
